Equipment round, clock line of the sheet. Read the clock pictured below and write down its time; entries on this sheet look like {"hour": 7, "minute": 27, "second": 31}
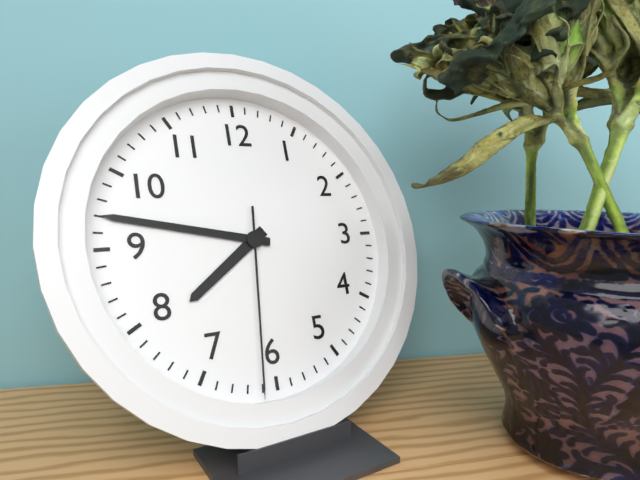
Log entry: {"hour": 7, "minute": 47, "second": 31}
